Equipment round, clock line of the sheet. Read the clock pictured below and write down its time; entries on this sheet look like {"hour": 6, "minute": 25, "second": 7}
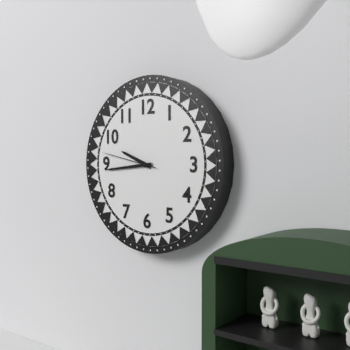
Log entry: {"hour": 9, "minute": 44, "second": 47}
